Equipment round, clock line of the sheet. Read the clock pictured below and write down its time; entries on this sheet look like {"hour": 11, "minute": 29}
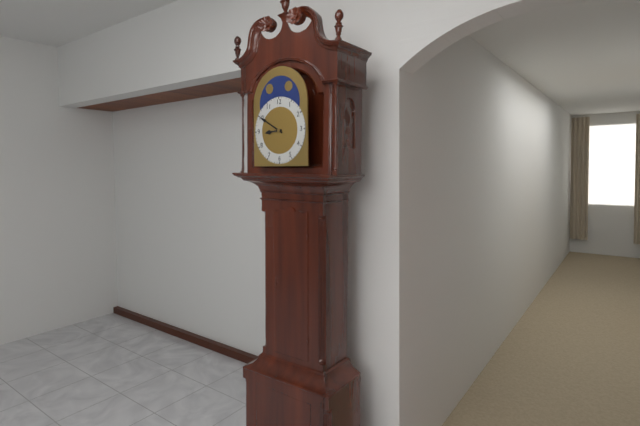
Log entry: {"hour": 8, "minute": 50}
